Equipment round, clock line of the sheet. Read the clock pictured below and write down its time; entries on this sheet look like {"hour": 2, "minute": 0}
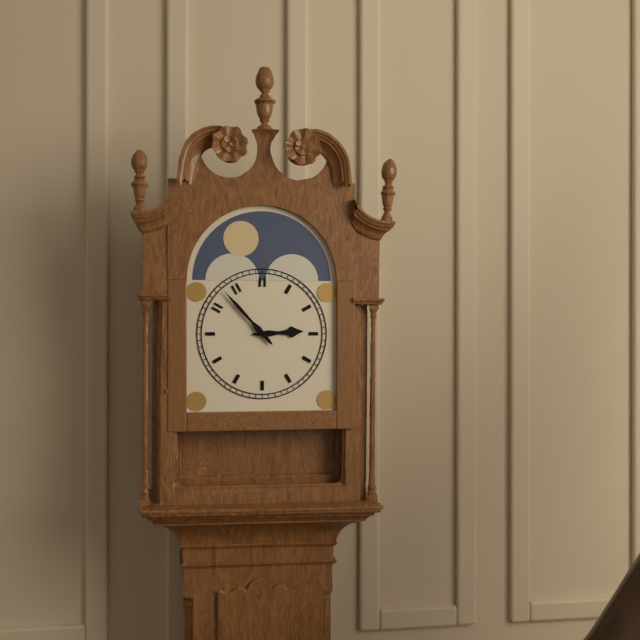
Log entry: {"hour": 2, "minute": 53}
